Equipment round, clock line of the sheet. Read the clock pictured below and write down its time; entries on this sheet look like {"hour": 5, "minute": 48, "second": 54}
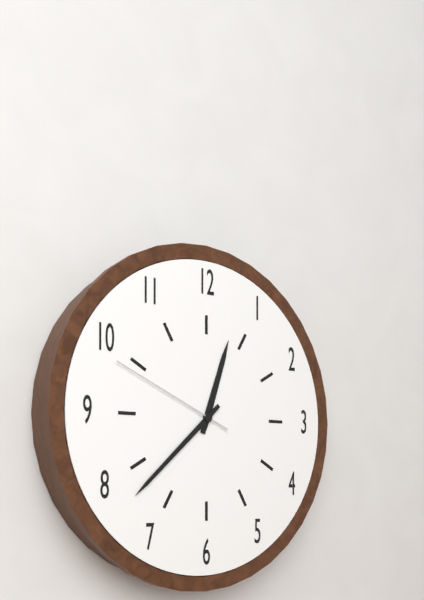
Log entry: {"hour": 12, "minute": 38, "second": 49}
